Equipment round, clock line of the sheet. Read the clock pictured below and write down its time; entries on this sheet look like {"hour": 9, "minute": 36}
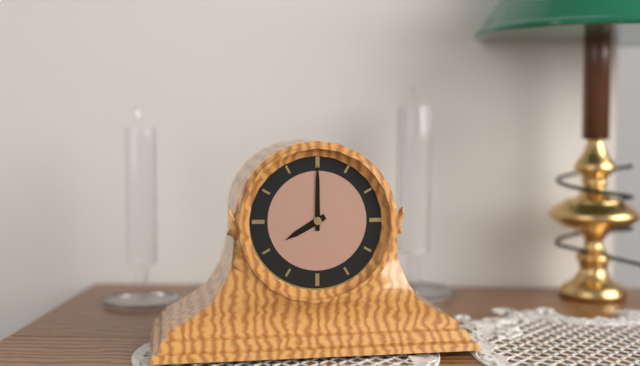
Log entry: {"hour": 8, "minute": 0}
